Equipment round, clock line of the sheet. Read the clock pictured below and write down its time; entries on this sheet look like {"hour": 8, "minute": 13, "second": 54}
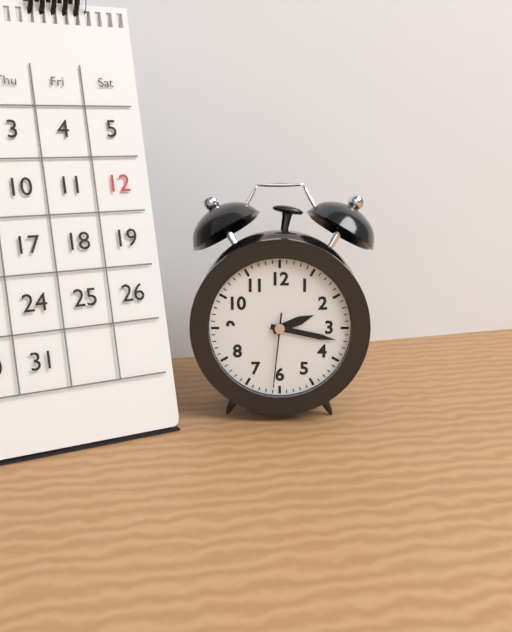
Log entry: {"hour": 2, "minute": 17, "second": 31}
